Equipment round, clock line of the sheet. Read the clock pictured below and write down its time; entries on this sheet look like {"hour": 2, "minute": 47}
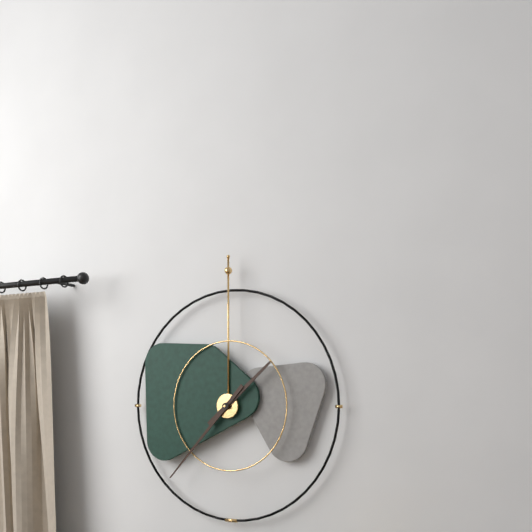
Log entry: {"hour": 1, "minute": 37}
